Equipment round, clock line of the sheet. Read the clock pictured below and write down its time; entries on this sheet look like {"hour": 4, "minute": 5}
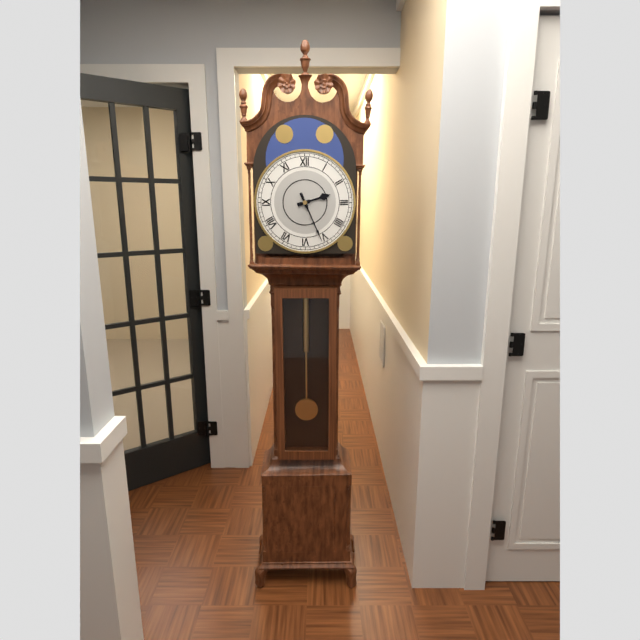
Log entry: {"hour": 2, "minute": 26}
